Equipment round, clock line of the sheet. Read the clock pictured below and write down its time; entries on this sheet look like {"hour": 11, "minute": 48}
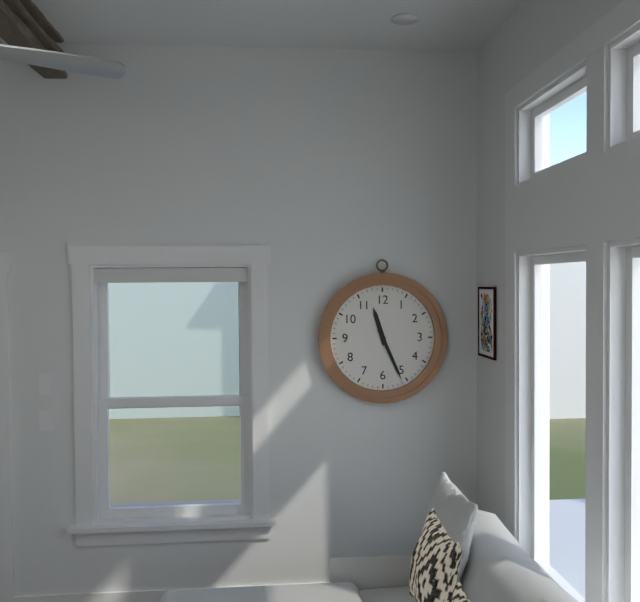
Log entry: {"hour": 11, "minute": 26}
